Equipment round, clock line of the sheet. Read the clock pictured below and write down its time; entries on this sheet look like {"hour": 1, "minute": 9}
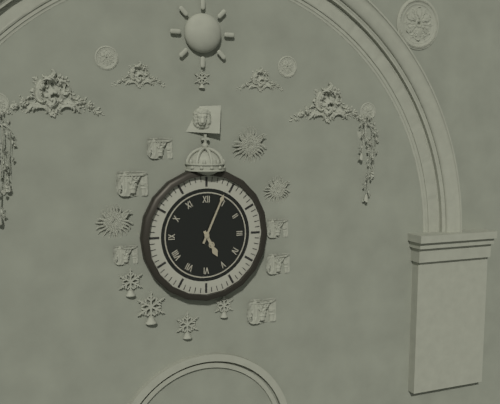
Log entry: {"hour": 5, "minute": 4}
